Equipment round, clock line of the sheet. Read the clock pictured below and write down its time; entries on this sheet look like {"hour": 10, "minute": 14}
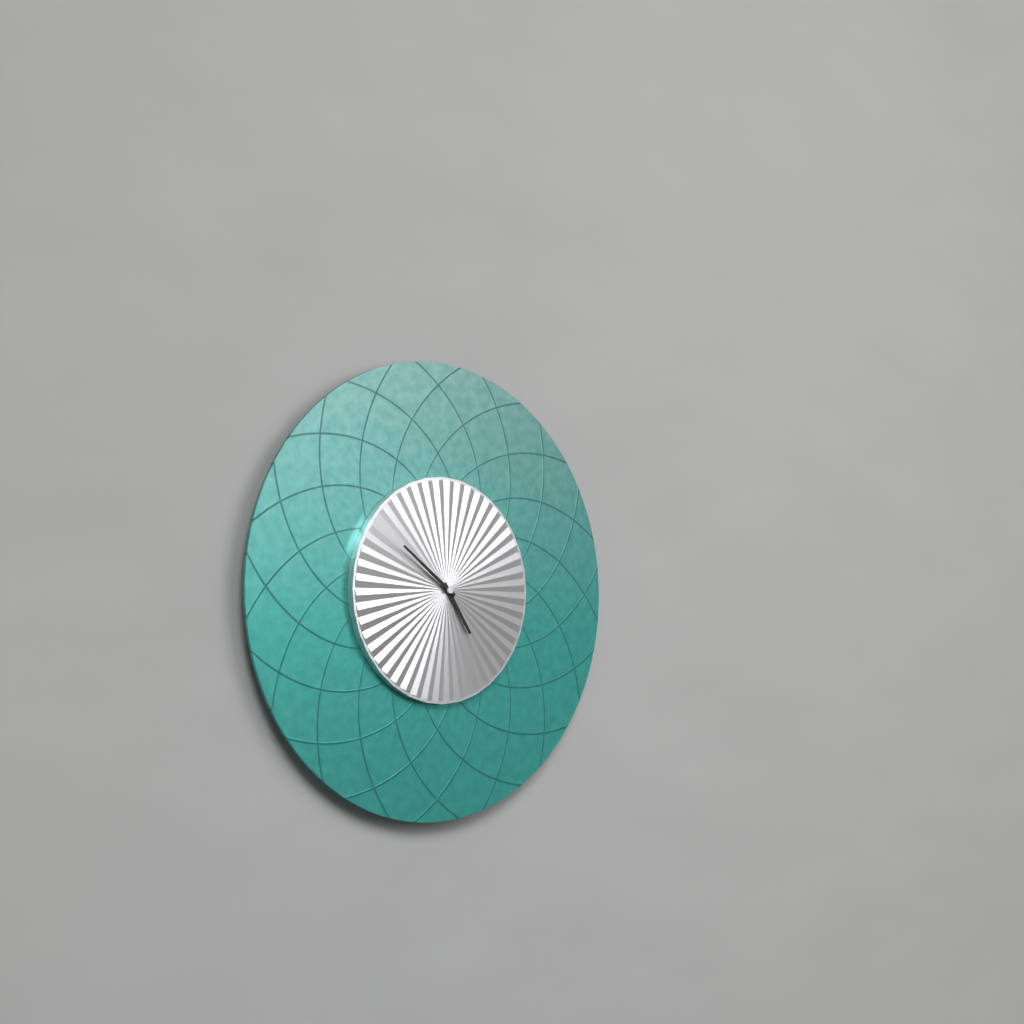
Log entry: {"hour": 4, "minute": 51}
